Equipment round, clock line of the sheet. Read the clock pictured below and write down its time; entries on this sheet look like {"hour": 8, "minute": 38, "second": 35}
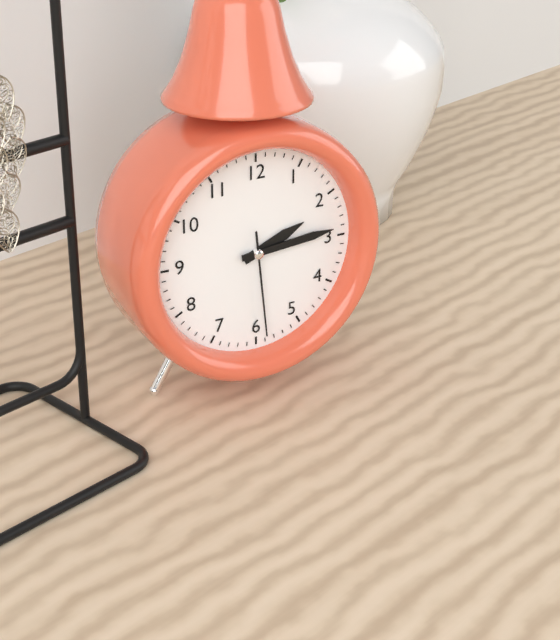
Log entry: {"hour": 2, "minute": 14, "second": 29}
